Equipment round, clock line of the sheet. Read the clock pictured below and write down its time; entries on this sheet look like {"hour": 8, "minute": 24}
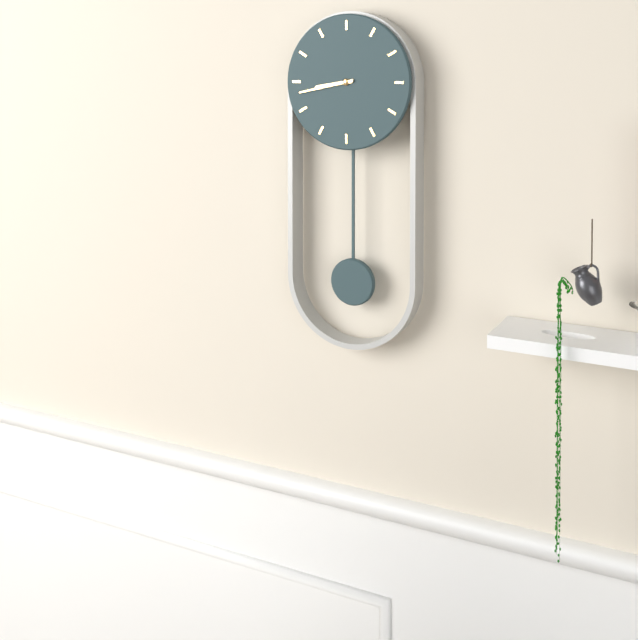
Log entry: {"hour": 8, "minute": 43}
